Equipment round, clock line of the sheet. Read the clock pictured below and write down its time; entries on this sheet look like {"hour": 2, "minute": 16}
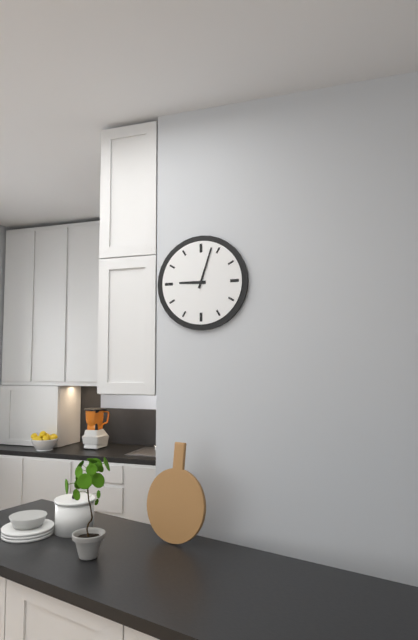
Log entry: {"hour": 9, "minute": 3}
